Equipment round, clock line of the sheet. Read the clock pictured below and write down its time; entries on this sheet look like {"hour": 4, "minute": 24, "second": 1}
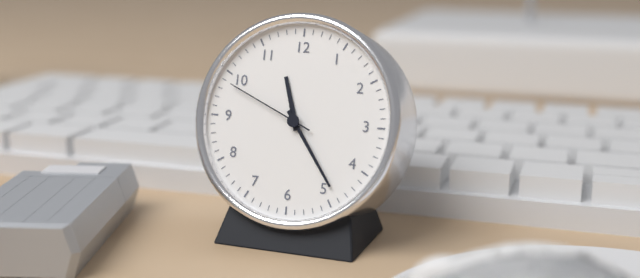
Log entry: {"hour": 11, "minute": 24, "second": 49}
